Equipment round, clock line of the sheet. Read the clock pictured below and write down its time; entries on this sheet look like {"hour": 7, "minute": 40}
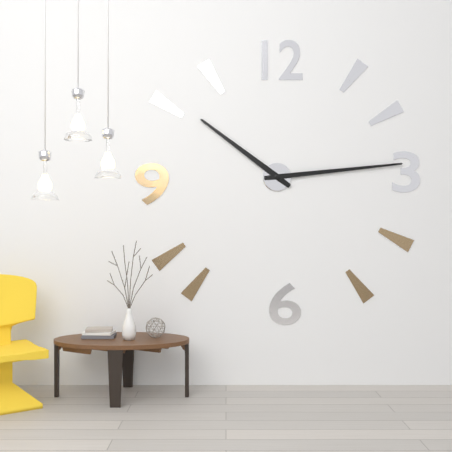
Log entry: {"hour": 10, "minute": 14}
